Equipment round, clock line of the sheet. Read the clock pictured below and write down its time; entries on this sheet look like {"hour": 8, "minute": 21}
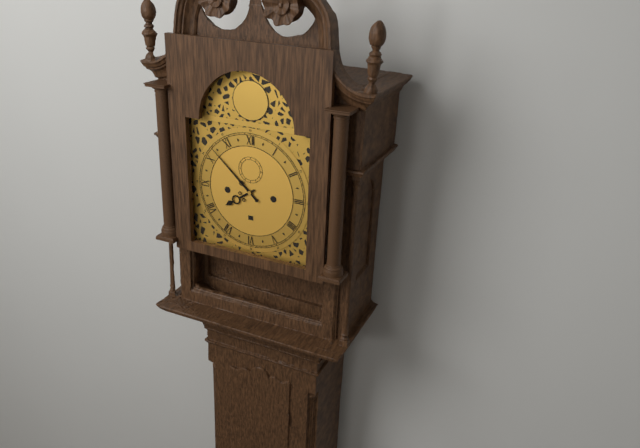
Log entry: {"hour": 7, "minute": 52}
